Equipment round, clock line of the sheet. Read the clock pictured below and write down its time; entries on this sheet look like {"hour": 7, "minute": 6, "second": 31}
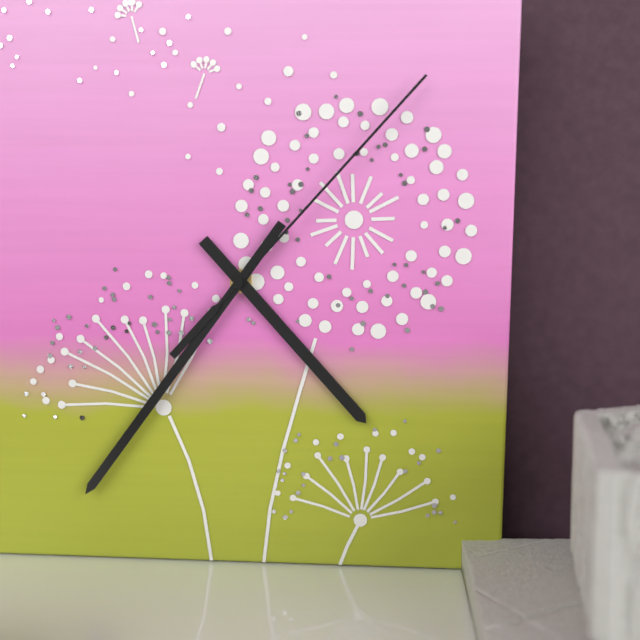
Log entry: {"hour": 4, "minute": 36, "second": 7}
